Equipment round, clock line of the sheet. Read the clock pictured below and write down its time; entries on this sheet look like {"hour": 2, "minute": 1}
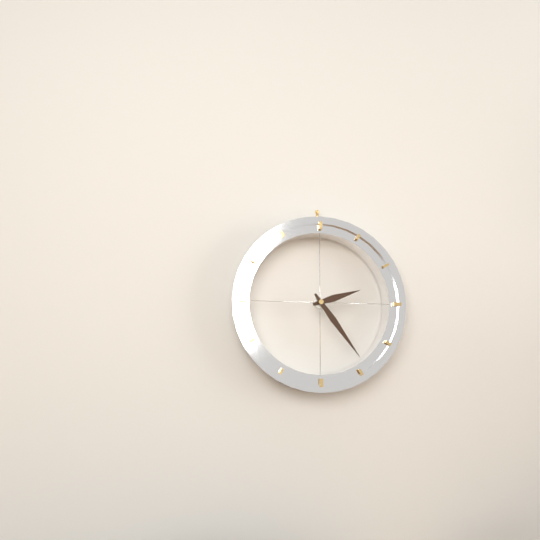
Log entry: {"hour": 2, "minute": 24}
